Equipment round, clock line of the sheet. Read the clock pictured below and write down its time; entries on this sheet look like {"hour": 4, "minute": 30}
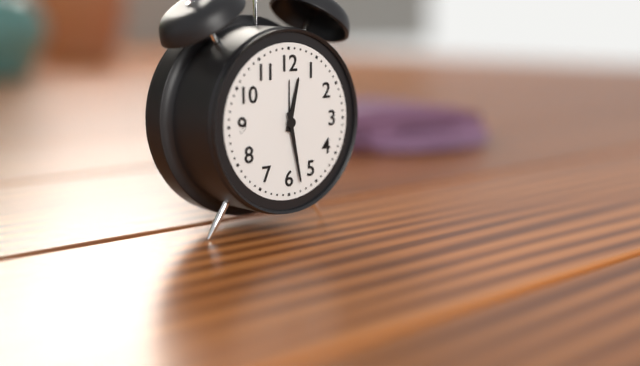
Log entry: {"hour": 12, "minute": 28}
